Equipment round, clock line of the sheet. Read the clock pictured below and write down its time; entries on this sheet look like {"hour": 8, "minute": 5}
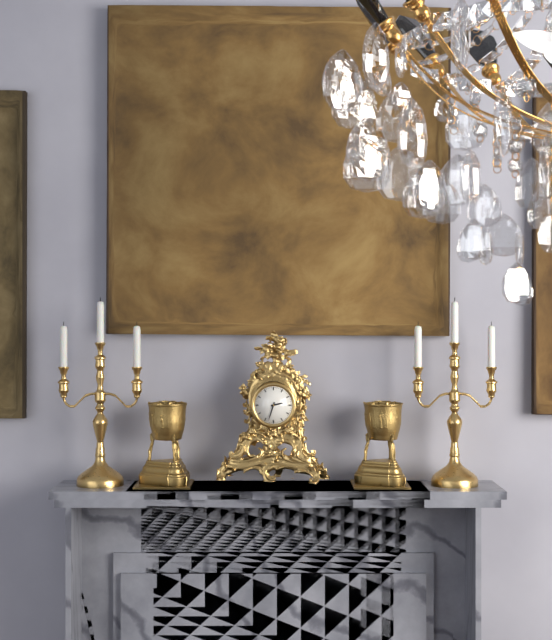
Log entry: {"hour": 2, "minute": 33}
